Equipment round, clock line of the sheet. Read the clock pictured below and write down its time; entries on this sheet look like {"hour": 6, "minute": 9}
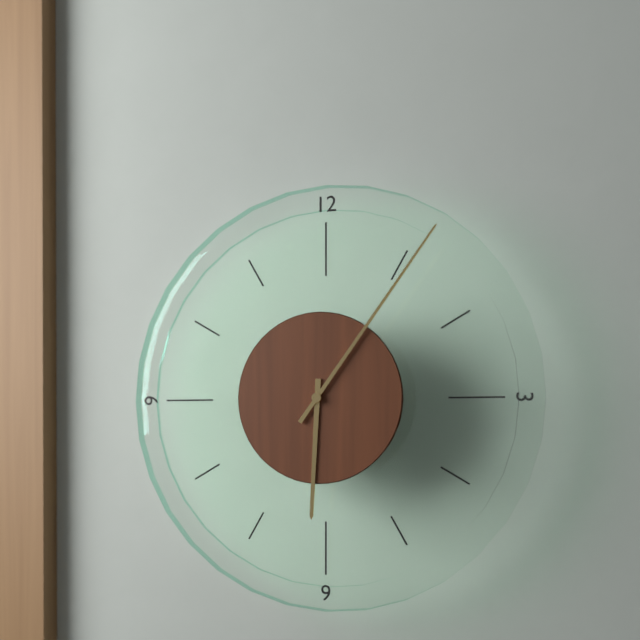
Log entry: {"hour": 6, "minute": 6}
